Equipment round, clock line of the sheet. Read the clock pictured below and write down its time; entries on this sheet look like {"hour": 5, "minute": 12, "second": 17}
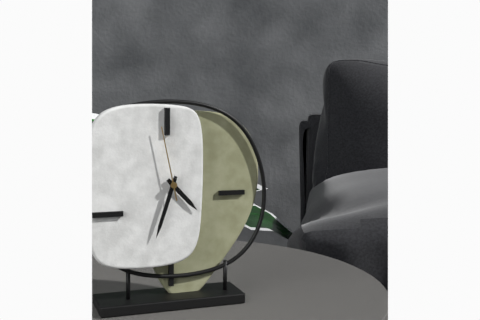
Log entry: {"hour": 4, "minute": 33, "second": 58}
